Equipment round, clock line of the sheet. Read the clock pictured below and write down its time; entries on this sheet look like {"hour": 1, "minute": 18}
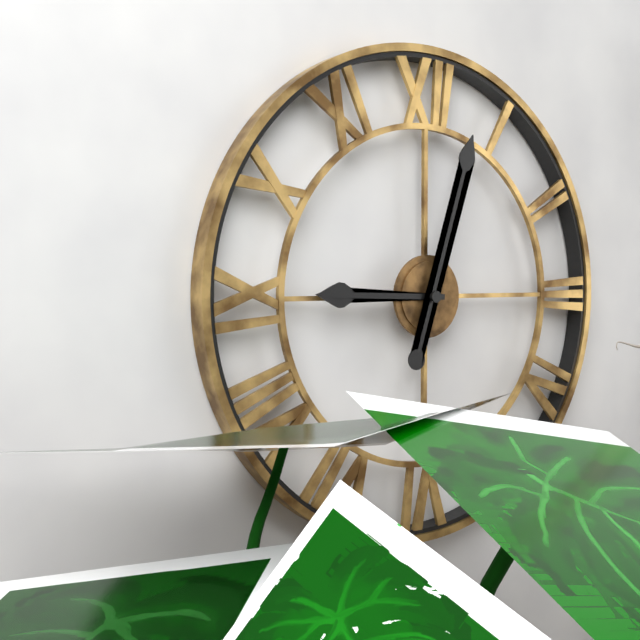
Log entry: {"hour": 9, "minute": 3}
